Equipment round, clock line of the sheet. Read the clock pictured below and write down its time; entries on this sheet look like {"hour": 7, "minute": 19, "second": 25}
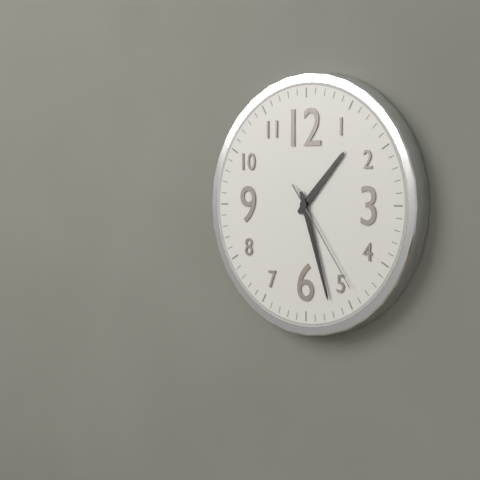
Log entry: {"hour": 1, "minute": 27, "second": 24}
